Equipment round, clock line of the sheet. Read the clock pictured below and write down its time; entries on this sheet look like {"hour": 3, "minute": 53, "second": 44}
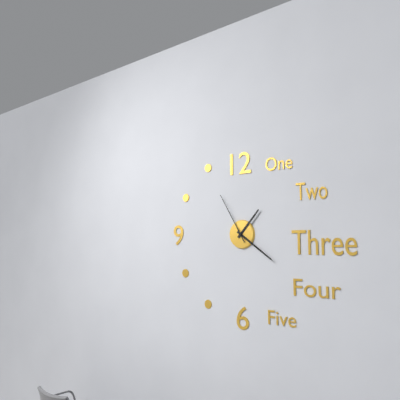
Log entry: {"hour": 1, "minute": 21, "second": 55}
